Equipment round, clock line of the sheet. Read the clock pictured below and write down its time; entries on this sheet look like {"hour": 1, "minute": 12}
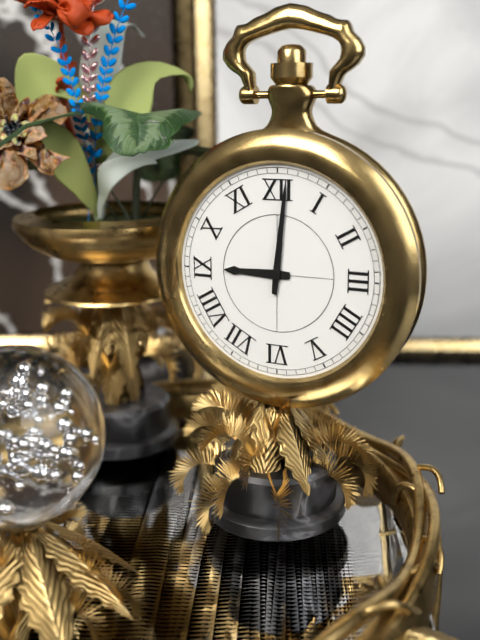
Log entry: {"hour": 9, "minute": 1}
